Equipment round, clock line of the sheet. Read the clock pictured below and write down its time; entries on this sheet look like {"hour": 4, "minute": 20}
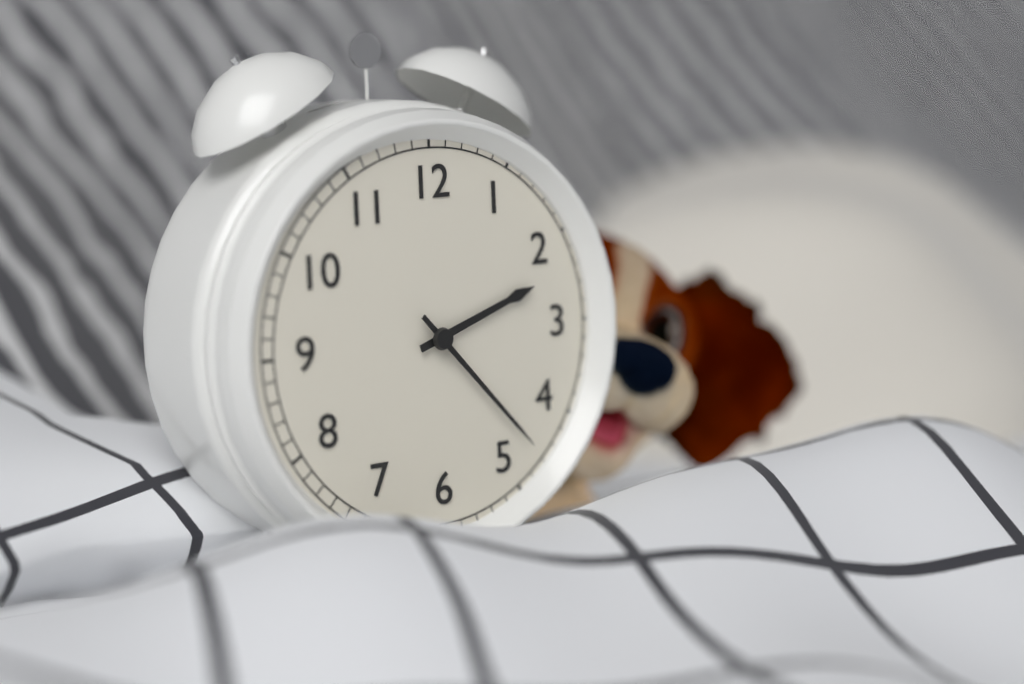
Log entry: {"hour": 2, "minute": 23}
